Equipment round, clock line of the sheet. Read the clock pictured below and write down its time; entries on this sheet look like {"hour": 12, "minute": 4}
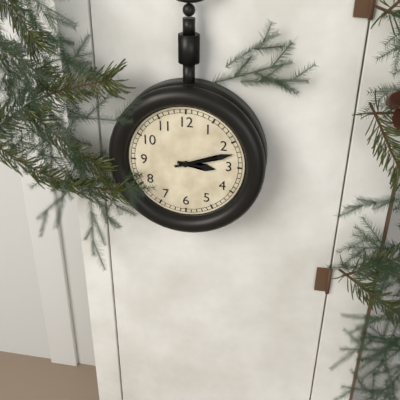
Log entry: {"hour": 3, "minute": 12}
